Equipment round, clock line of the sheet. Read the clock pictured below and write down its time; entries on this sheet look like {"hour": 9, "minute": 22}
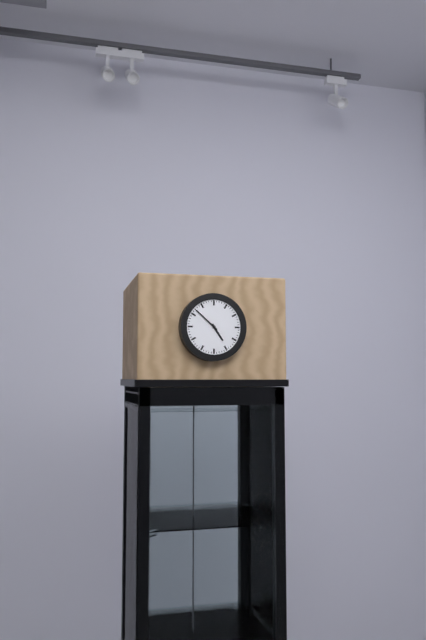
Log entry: {"hour": 4, "minute": 52}
